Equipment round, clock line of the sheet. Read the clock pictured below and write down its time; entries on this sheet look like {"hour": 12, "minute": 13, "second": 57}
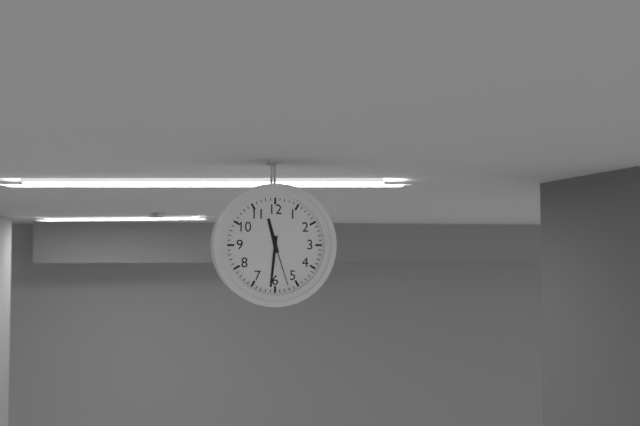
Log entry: {"hour": 11, "minute": 31, "second": 27}
